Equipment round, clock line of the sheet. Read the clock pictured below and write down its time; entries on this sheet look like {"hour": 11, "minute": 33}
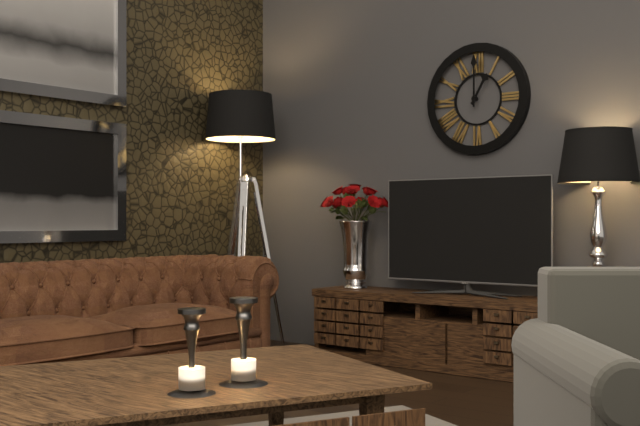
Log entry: {"hour": 1, "minute": 0}
